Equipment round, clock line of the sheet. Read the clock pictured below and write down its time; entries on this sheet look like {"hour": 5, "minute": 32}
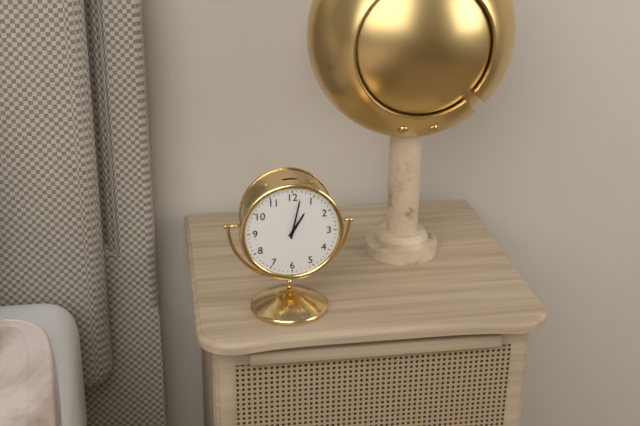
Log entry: {"hour": 1, "minute": 2}
